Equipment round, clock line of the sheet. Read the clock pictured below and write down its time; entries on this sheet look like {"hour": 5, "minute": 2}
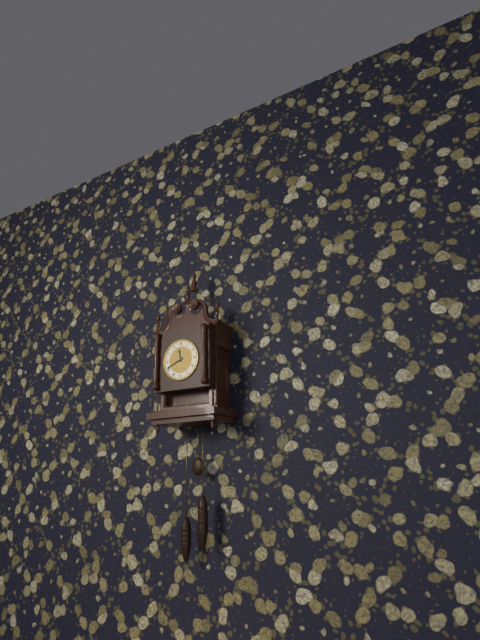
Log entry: {"hour": 11, "minute": 41}
